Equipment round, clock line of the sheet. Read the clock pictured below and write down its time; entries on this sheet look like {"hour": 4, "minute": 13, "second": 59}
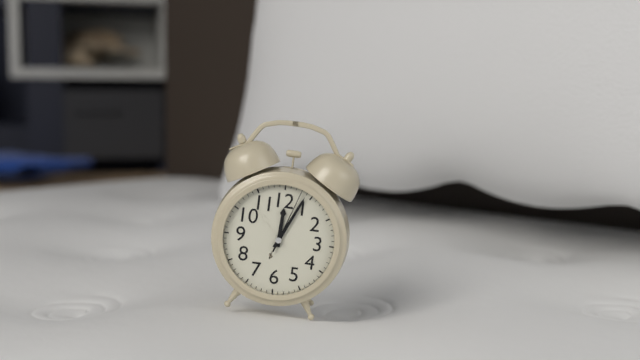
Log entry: {"hour": 12, "minute": 4, "second": 3}
